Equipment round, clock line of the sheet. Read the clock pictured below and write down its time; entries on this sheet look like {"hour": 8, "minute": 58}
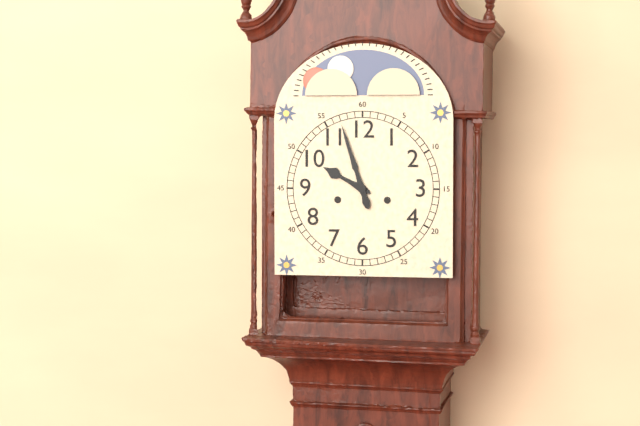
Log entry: {"hour": 9, "minute": 57}
